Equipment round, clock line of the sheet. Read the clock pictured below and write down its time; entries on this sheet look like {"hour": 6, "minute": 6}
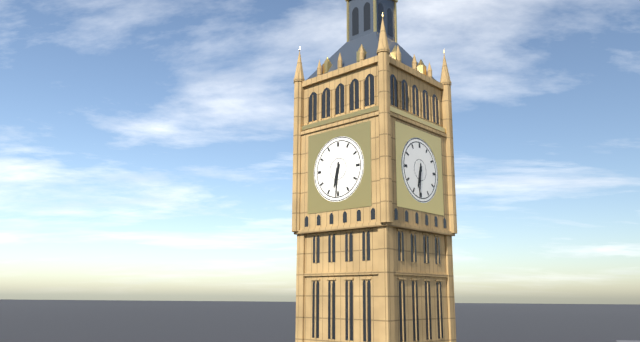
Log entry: {"hour": 6, "minute": 31}
